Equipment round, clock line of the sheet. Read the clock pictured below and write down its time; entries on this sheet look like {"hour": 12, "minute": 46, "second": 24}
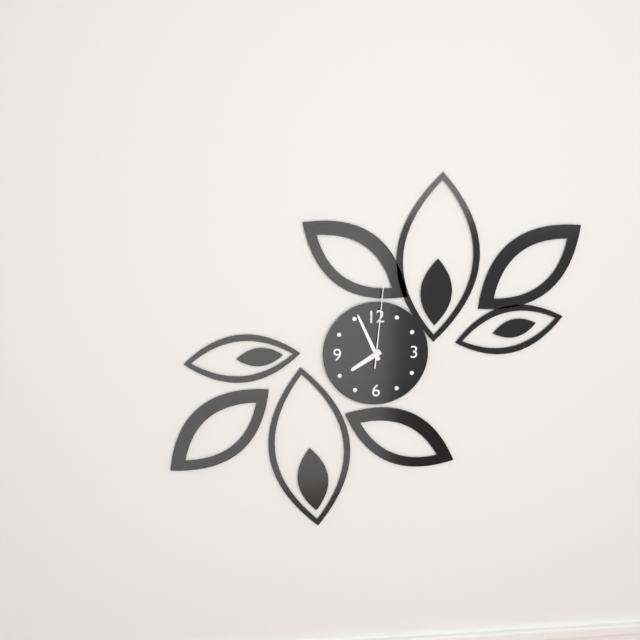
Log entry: {"hour": 7, "minute": 56, "second": 1}
